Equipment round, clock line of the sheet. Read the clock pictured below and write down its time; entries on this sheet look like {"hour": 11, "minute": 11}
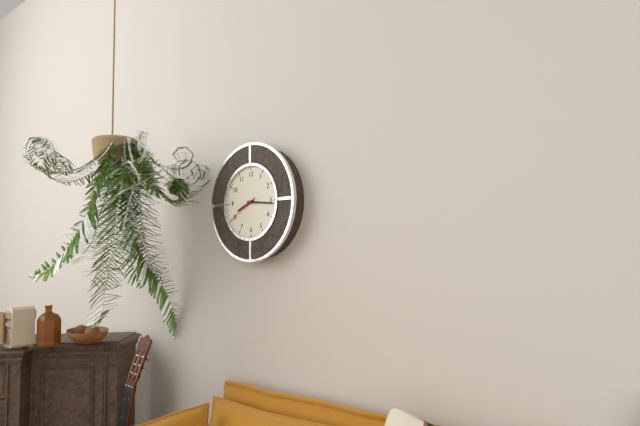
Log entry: {"hour": 8, "minute": 16}
